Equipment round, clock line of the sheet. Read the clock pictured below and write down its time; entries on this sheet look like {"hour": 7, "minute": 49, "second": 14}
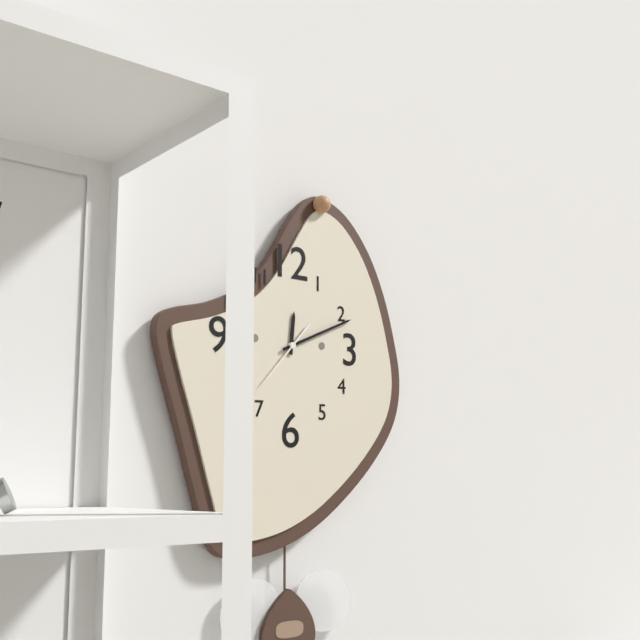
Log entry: {"hour": 12, "minute": 11, "second": 37}
